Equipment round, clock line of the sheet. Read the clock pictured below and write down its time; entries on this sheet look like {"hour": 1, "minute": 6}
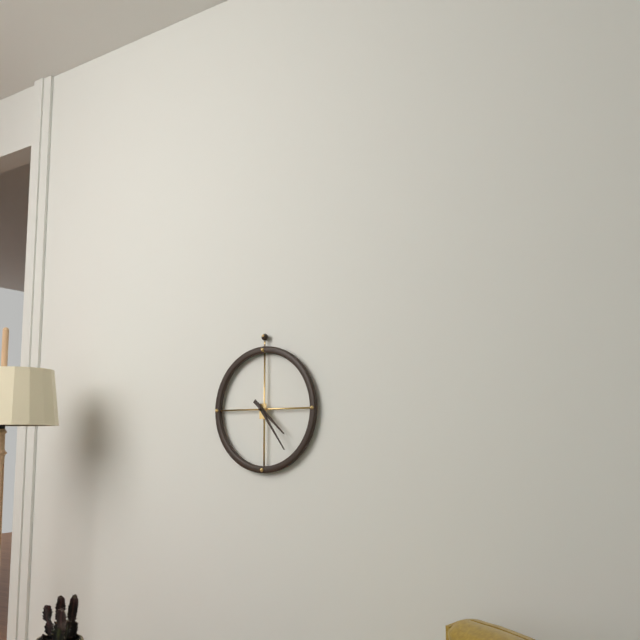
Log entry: {"hour": 4, "minute": 24}
